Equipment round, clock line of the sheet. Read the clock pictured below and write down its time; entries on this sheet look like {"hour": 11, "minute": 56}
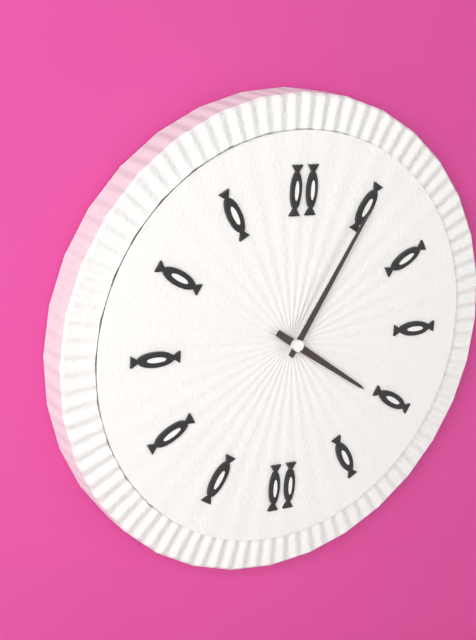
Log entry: {"hour": 4, "minute": 5}
